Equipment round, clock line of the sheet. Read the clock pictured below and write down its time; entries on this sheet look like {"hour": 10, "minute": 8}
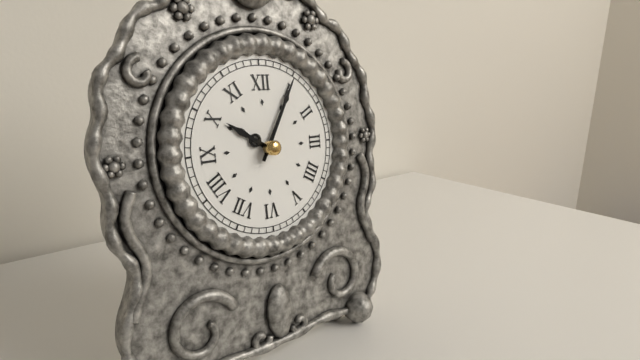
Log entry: {"hour": 10, "minute": 5}
